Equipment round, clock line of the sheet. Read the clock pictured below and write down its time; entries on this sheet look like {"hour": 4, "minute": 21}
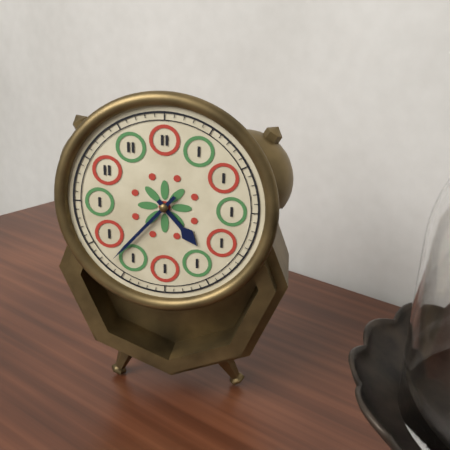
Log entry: {"hour": 4, "minute": 37}
